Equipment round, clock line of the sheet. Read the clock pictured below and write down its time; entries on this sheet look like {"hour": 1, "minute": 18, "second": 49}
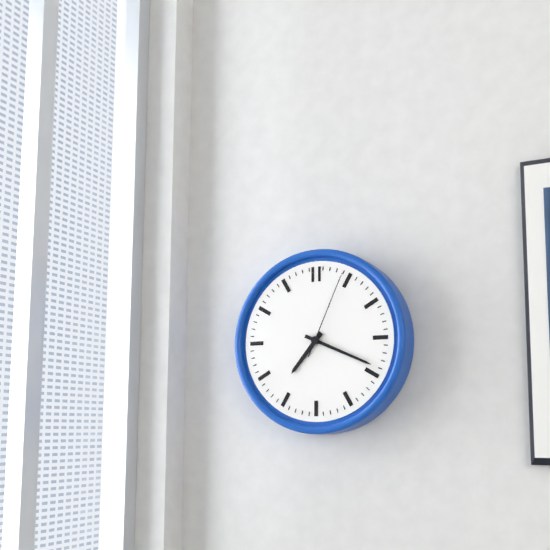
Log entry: {"hour": 7, "minute": 19, "second": 4}
